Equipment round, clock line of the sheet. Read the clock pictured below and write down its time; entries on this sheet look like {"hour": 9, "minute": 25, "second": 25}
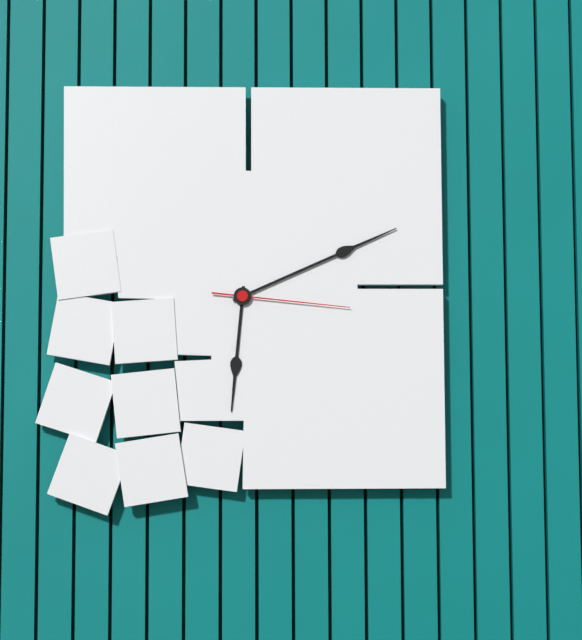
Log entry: {"hour": 6, "minute": 11, "second": 16}
